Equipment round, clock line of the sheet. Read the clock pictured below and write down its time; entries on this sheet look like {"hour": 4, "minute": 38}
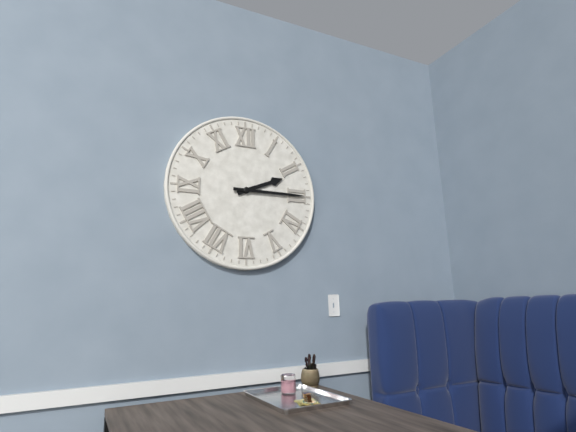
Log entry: {"hour": 2, "minute": 15}
